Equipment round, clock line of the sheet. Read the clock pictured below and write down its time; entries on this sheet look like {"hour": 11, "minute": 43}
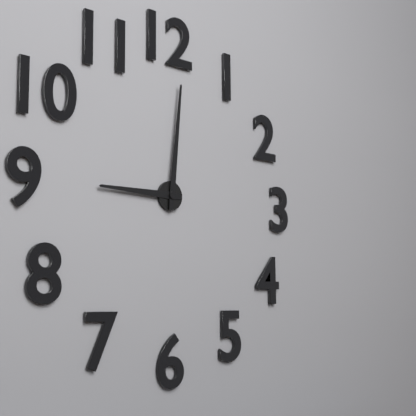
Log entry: {"hour": 9, "minute": 1}
